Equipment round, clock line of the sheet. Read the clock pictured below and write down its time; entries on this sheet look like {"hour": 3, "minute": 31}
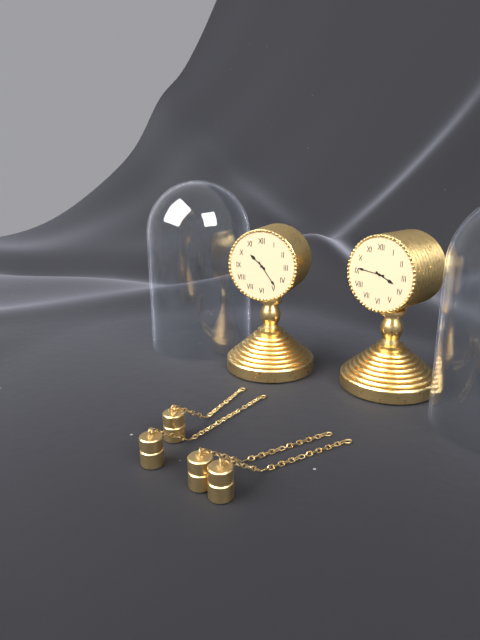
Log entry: {"hour": 10, "minute": 24}
